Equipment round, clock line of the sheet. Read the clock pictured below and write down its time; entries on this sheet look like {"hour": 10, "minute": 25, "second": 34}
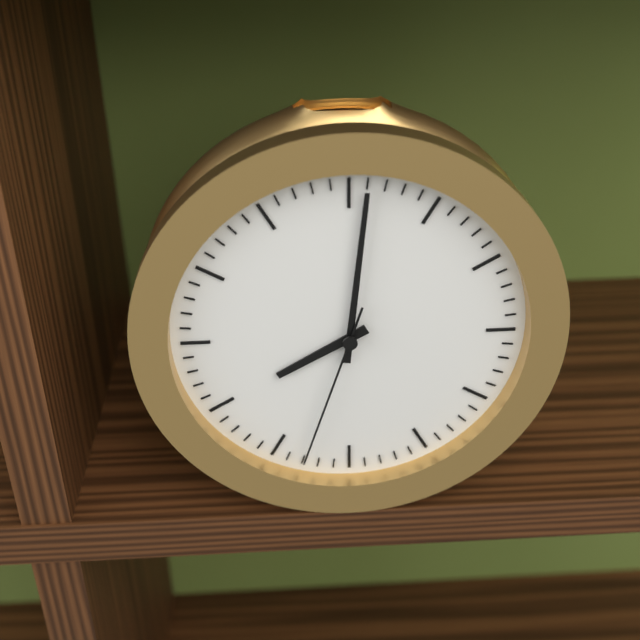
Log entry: {"hour": 8, "minute": 1, "second": 33}
